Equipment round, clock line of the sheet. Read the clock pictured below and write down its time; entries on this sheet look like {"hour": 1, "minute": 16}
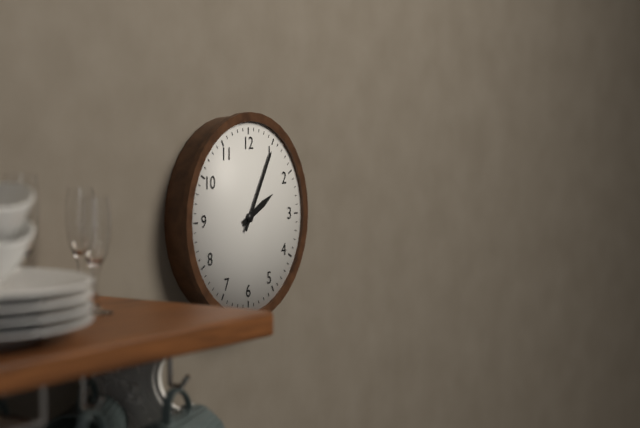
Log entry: {"hour": 2, "minute": 5}
